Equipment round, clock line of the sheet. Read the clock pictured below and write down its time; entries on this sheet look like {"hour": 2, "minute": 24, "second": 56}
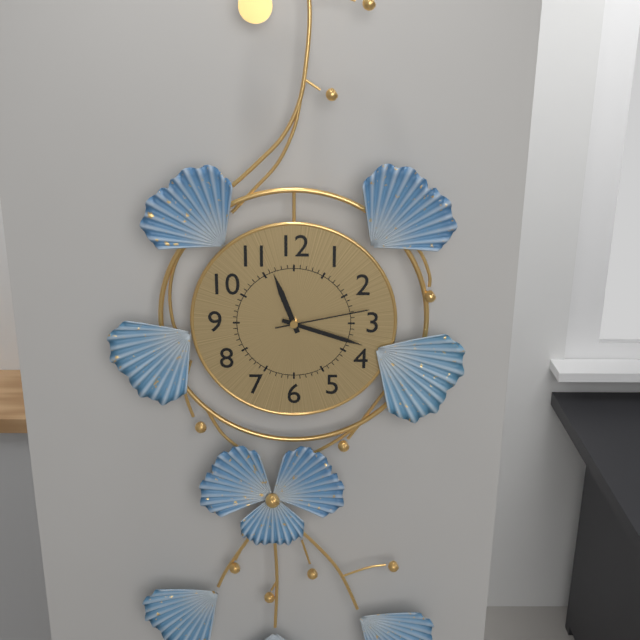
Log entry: {"hour": 11, "minute": 18, "second": 13}
